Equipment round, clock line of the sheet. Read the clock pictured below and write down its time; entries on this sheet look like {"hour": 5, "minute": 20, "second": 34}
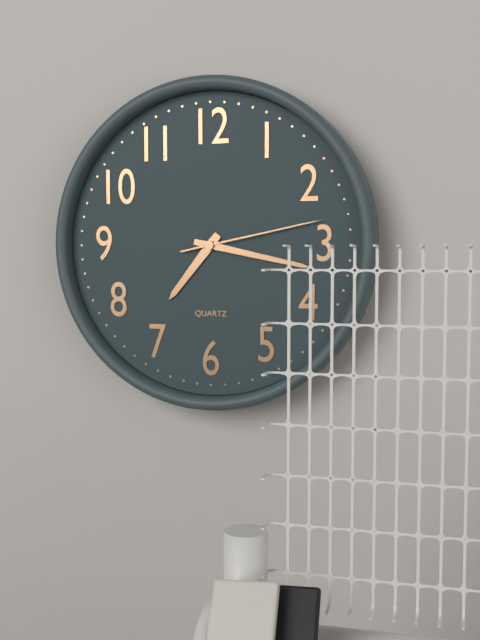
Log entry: {"hour": 7, "minute": 17, "second": 13}
